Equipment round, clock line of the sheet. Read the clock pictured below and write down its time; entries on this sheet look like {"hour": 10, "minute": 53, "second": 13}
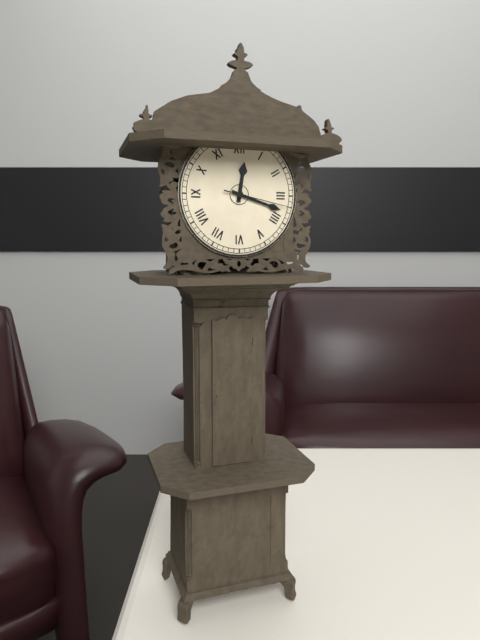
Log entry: {"hour": 12, "minute": 18, "second": 17}
